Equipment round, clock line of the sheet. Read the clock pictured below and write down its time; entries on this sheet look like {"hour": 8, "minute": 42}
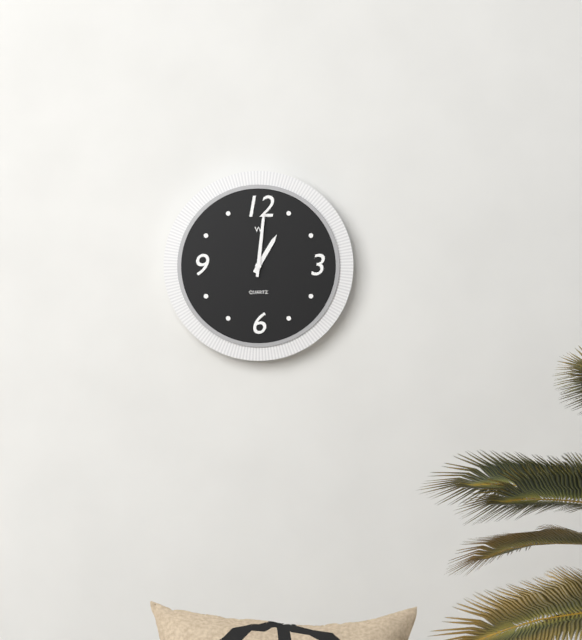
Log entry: {"hour": 1, "minute": 1}
